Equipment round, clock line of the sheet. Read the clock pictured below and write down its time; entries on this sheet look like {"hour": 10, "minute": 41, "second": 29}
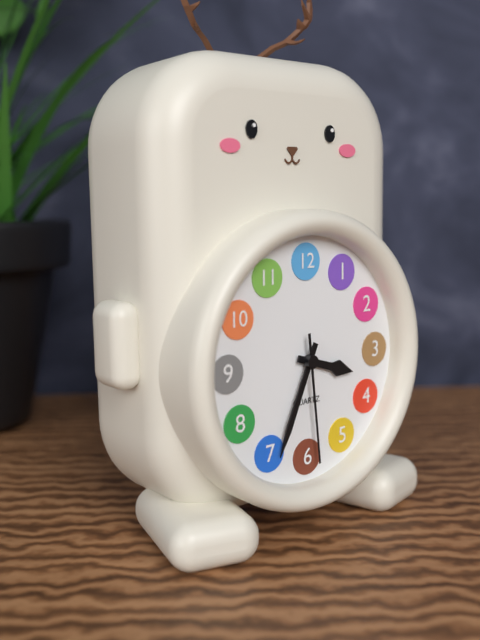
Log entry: {"hour": 3, "minute": 34, "second": 29}
